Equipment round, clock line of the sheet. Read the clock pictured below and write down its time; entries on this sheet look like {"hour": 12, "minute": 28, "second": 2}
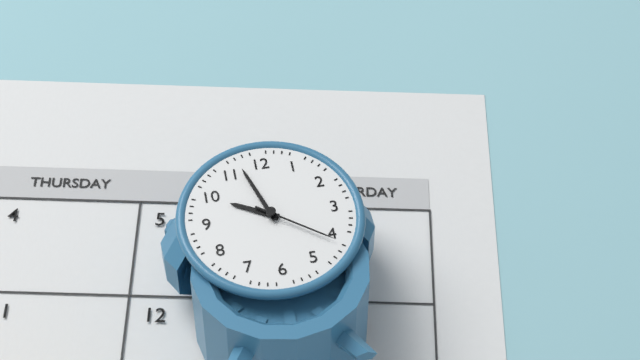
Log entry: {"hour": 9, "minute": 57, "second": 21}
